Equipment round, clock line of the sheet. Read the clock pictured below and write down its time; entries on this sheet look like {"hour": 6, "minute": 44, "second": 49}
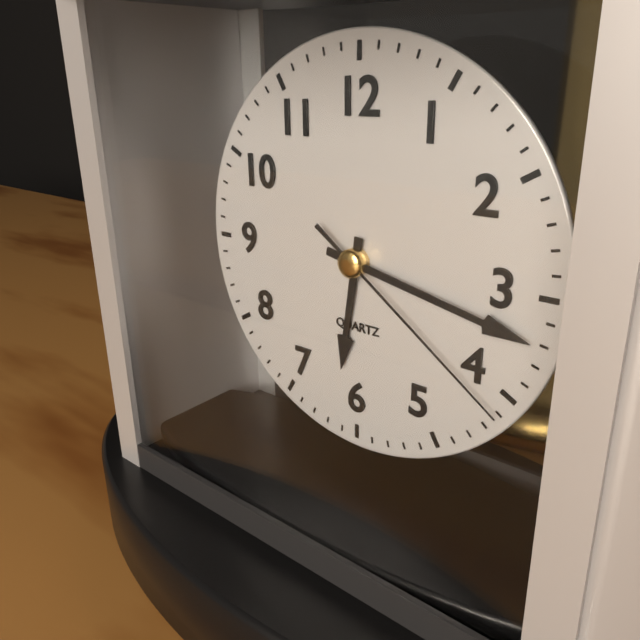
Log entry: {"hour": 6, "minute": 17, "second": 21}
